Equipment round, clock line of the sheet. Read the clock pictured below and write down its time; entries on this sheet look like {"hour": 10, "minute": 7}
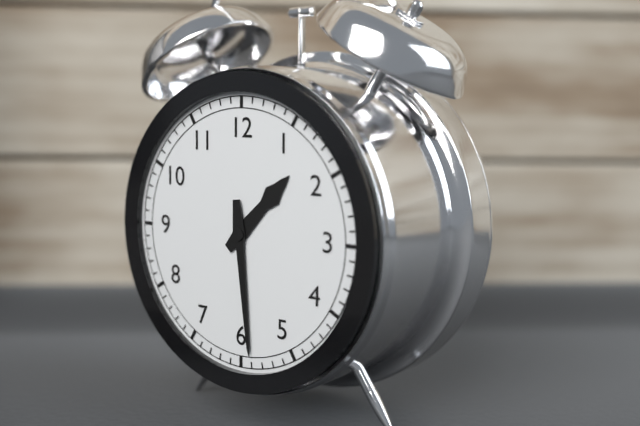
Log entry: {"hour": 1, "minute": 29}
